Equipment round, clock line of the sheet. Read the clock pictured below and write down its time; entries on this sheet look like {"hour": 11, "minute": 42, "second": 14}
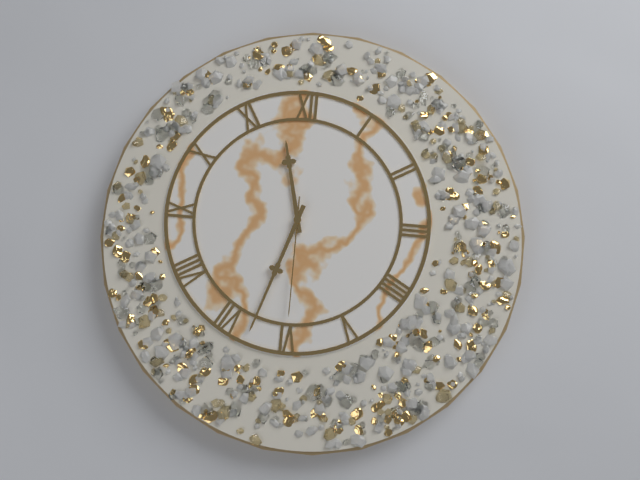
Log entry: {"hour": 11, "minute": 33, "second": 30}
